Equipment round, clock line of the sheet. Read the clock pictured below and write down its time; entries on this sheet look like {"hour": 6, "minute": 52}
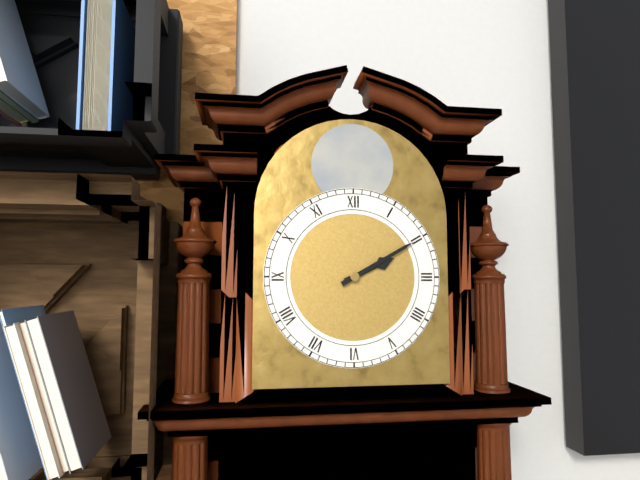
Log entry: {"hour": 2, "minute": 10}
